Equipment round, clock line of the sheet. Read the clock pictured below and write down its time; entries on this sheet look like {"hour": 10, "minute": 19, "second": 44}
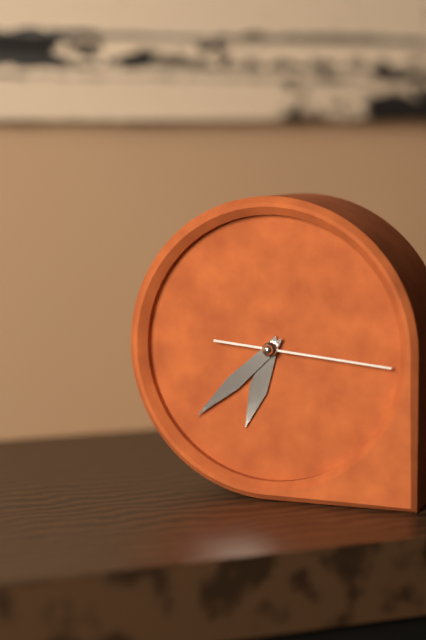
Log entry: {"hour": 6, "minute": 38, "second": 16}
